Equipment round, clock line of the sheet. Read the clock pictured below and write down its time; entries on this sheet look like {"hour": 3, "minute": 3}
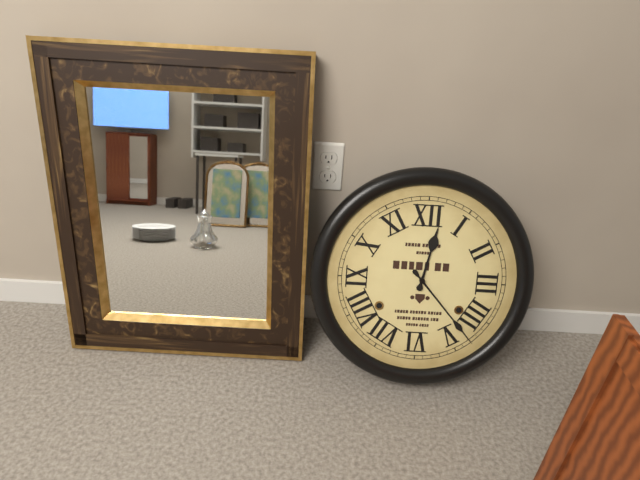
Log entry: {"hour": 12, "minute": 23}
